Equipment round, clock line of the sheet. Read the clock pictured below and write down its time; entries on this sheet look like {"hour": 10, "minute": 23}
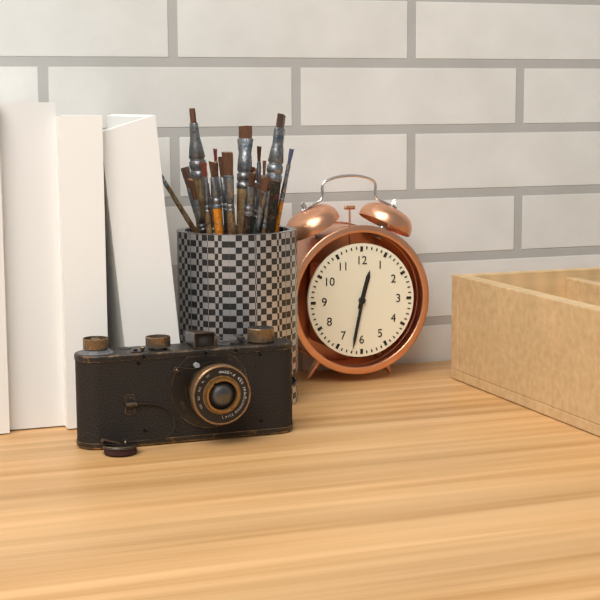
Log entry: {"hour": 12, "minute": 32}
